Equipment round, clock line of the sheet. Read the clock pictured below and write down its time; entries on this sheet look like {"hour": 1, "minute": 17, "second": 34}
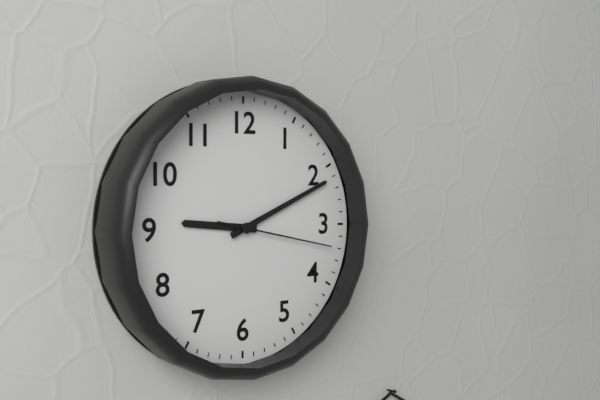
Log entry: {"hour": 9, "minute": 11, "second": 17}
